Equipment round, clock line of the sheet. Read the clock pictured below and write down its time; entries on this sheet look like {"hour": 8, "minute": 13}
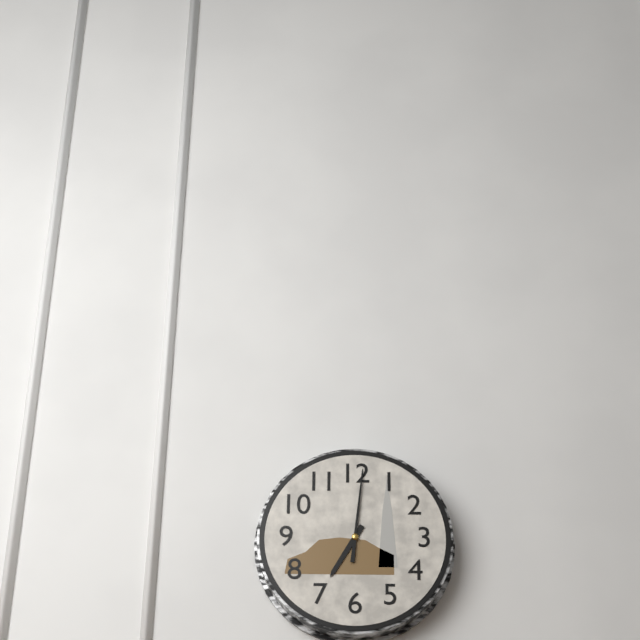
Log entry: {"hour": 7, "minute": 1}
